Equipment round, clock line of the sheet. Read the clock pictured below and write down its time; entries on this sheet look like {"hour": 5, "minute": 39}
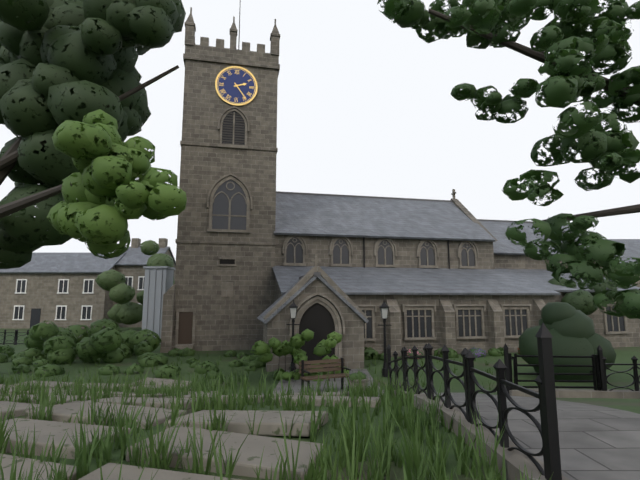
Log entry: {"hour": 2, "minute": 24}
